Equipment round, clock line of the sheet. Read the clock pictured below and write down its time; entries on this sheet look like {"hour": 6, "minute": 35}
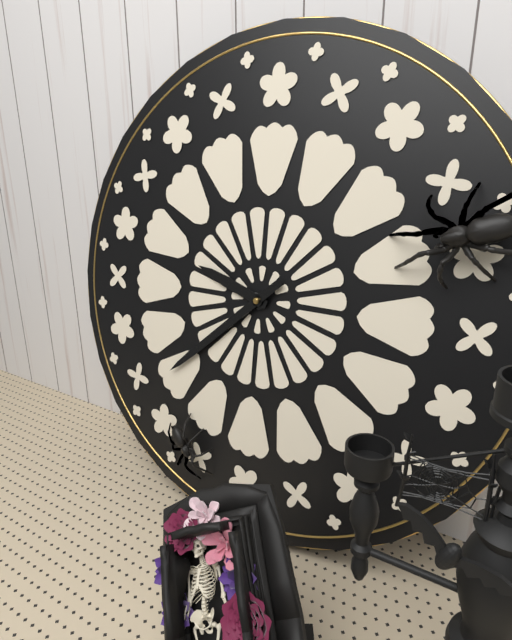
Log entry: {"hour": 9, "minute": 38}
